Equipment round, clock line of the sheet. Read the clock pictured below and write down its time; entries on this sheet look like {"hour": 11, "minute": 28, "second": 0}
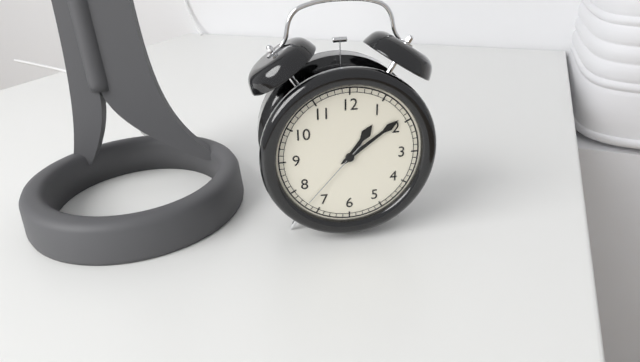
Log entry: {"hour": 1, "minute": 9, "second": 37}
